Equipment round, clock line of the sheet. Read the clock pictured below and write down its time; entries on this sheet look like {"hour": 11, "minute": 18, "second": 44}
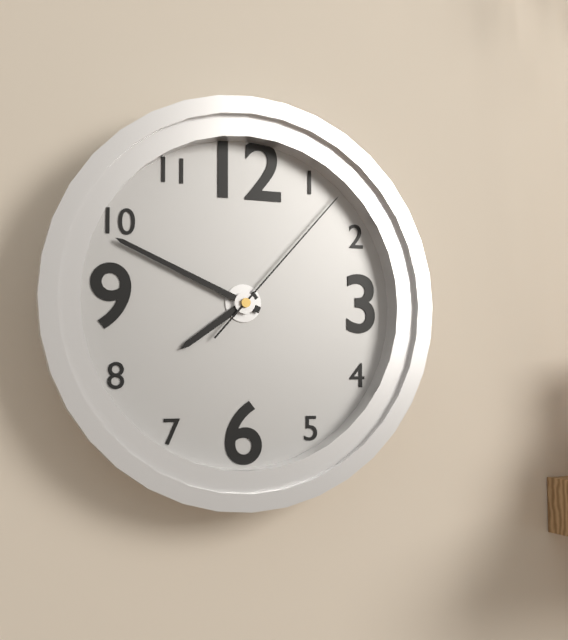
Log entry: {"hour": 7, "minute": 49, "second": 7}
